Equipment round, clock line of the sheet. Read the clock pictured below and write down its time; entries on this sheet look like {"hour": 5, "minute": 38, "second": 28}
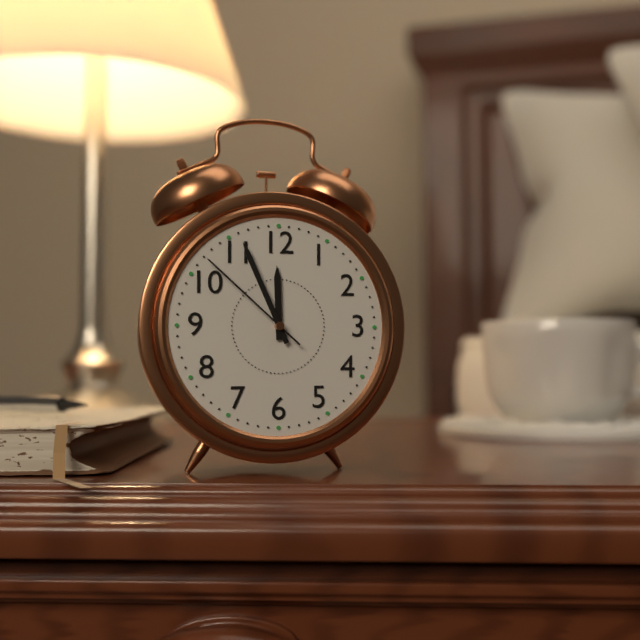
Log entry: {"hour": 11, "minute": 56, "second": 52}
